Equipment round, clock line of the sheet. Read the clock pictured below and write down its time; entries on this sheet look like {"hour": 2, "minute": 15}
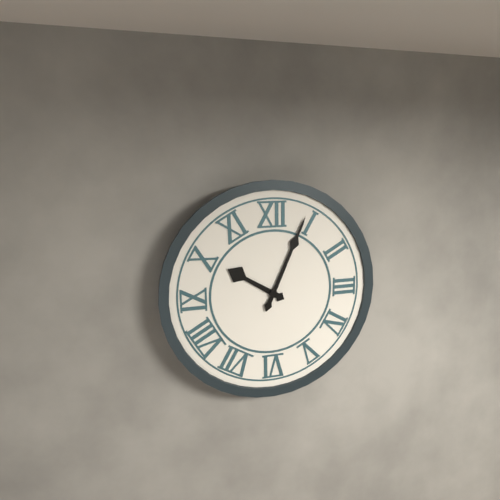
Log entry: {"hour": 10, "minute": 4}
